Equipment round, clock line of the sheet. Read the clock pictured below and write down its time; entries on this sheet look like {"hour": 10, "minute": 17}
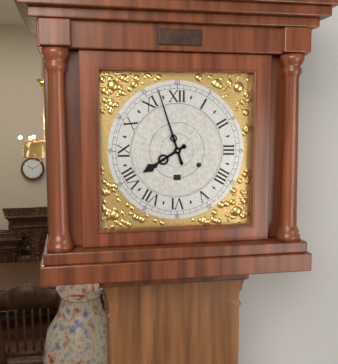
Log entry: {"hour": 7, "minute": 57}
